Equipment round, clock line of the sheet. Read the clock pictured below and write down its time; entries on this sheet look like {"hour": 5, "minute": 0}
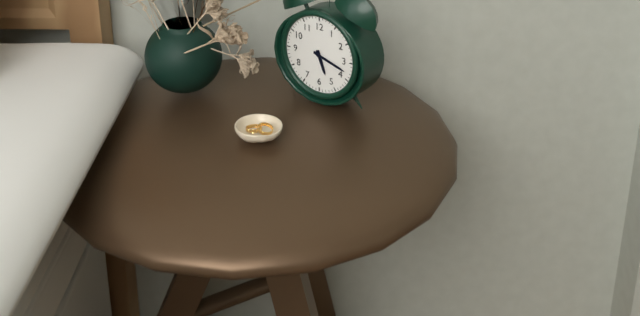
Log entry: {"hour": 5, "minute": 18}
